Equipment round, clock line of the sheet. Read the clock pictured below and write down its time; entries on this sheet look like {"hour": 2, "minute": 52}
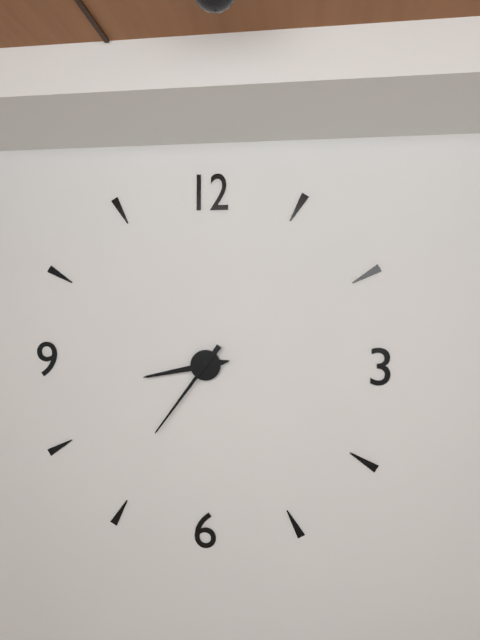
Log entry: {"hour": 8, "minute": 36}
